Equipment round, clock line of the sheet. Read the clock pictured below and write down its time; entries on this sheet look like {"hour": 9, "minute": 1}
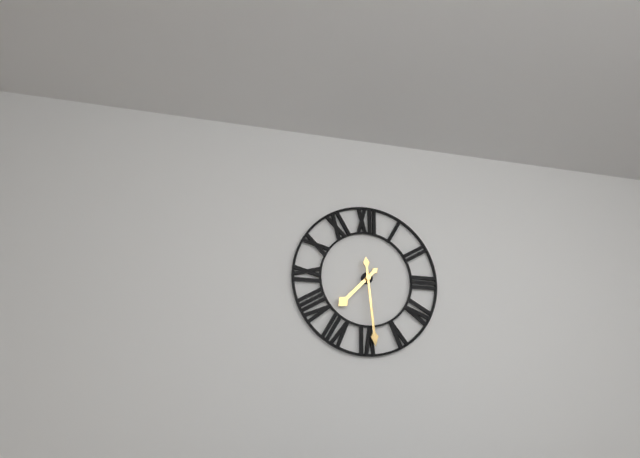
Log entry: {"hour": 7, "minute": 29}
